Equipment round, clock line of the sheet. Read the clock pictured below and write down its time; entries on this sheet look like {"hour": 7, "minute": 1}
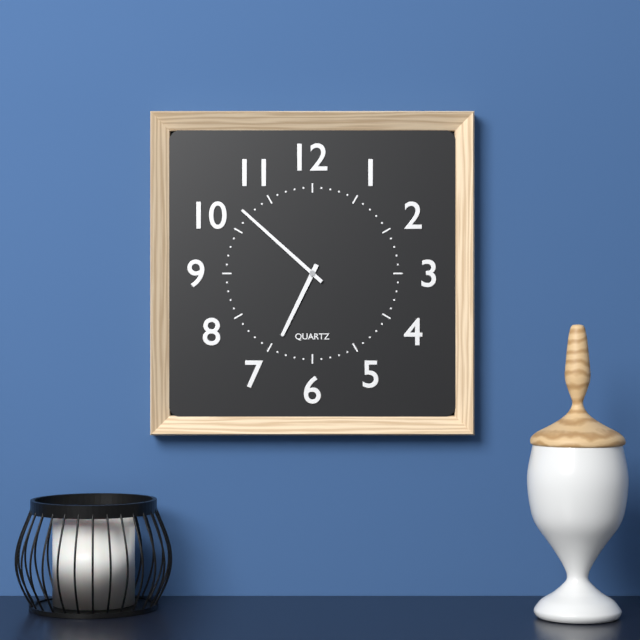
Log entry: {"hour": 6, "minute": 52}
